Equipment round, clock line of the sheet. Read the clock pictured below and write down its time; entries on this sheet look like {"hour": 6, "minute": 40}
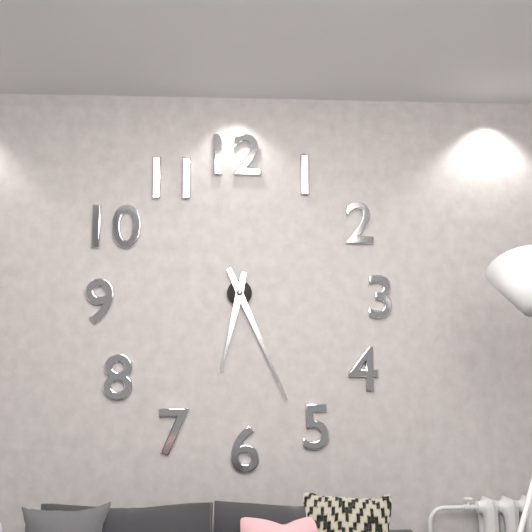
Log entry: {"hour": 6, "minute": 26}
